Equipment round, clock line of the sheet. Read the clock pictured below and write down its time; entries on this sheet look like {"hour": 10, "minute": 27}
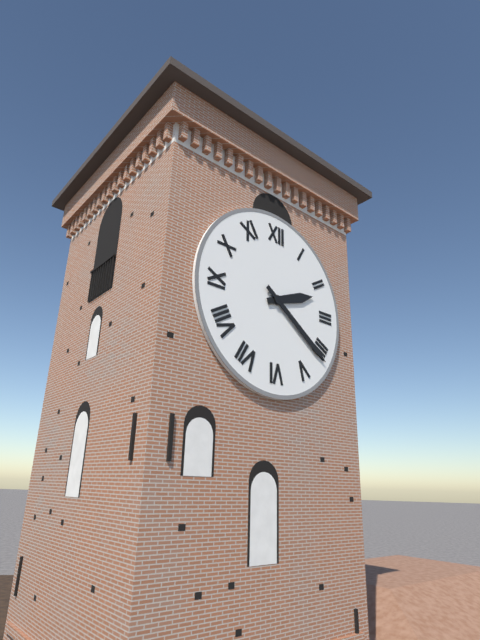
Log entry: {"hour": 2, "minute": 21}
